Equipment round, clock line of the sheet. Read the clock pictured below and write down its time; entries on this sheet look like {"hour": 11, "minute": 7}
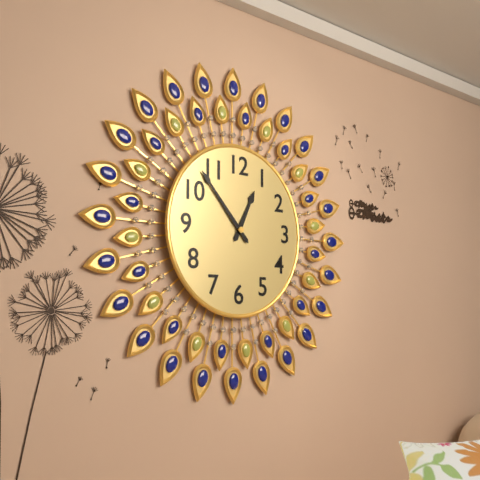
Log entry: {"hour": 12, "minute": 53}
